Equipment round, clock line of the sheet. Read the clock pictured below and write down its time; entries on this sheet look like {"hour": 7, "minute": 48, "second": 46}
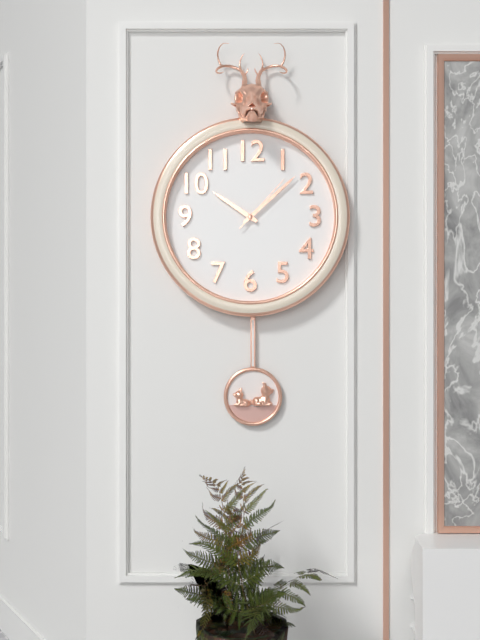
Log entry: {"hour": 10, "minute": 8, "second": 7}
